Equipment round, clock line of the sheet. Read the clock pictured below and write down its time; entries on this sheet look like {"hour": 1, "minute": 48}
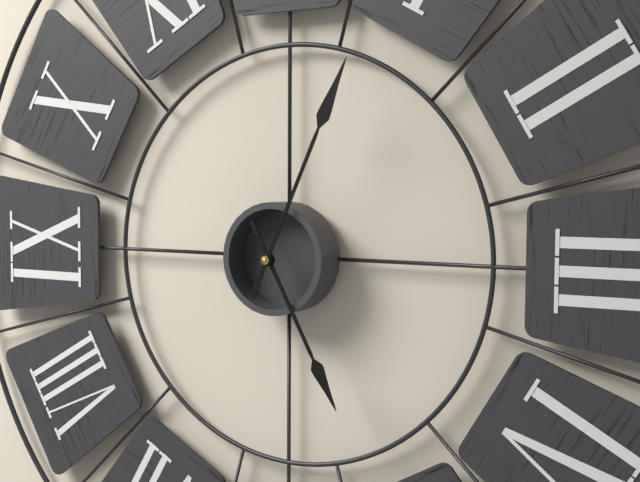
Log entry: {"hour": 5, "minute": 4}
